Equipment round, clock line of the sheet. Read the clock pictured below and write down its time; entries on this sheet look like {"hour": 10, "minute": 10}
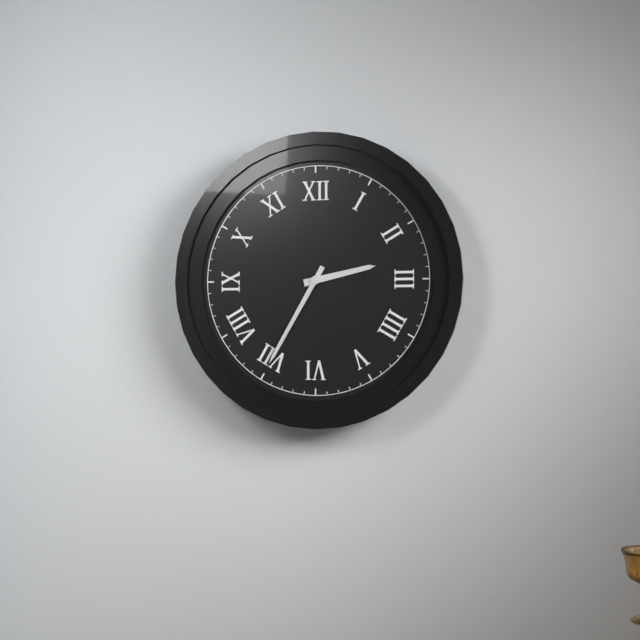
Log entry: {"hour": 2, "minute": 35}
